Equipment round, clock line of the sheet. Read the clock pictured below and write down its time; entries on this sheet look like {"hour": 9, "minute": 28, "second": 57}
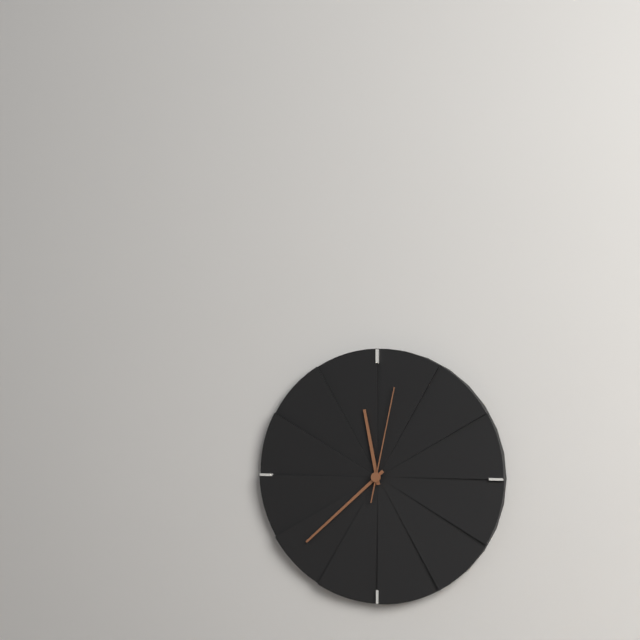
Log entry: {"hour": 11, "minute": 38, "second": 2}
